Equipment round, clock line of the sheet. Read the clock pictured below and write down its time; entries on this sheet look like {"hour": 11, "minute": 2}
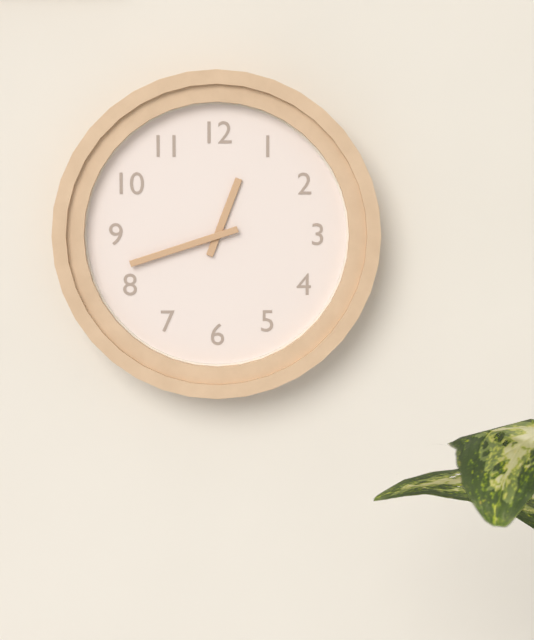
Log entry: {"hour": 12, "minute": 42}
